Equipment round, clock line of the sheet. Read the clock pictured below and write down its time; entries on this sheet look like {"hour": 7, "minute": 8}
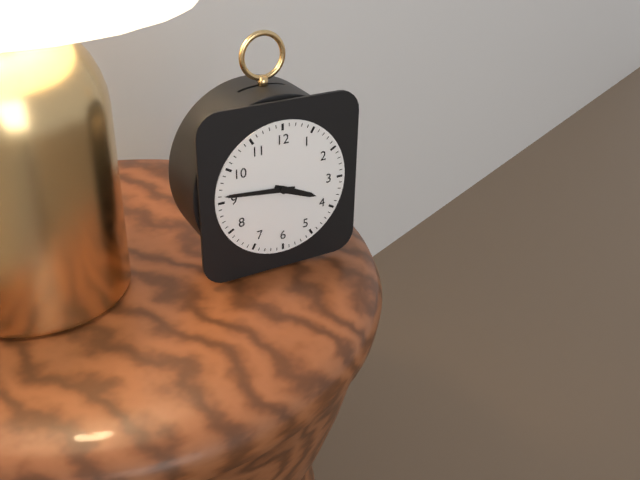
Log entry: {"hour": 3, "minute": 46}
